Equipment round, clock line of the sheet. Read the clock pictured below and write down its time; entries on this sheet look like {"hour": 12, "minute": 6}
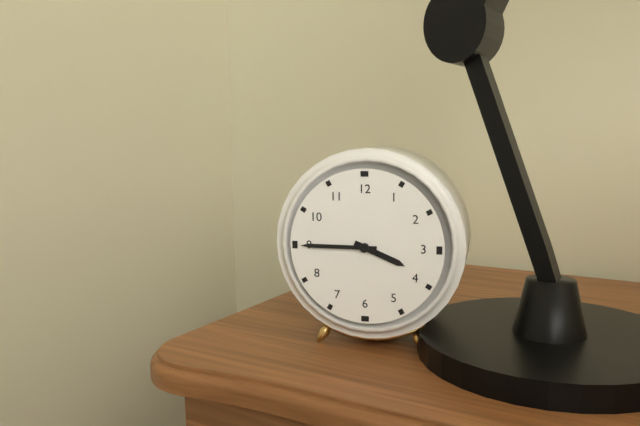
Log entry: {"hour": 3, "minute": 45}
